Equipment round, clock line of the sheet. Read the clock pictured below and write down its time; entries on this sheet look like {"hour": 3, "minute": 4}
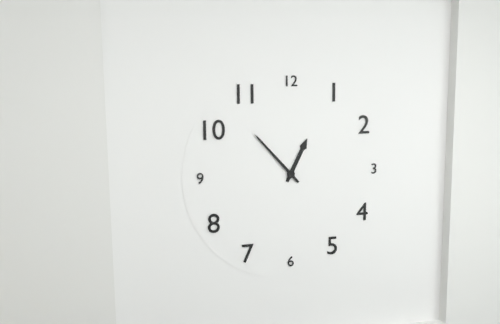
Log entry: {"hour": 12, "minute": 53}
